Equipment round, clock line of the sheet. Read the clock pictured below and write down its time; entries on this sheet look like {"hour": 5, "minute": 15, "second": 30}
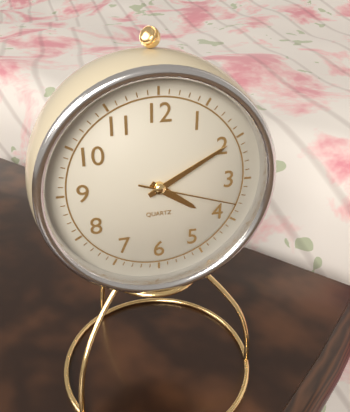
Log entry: {"hour": 4, "minute": 10, "second": 18}
